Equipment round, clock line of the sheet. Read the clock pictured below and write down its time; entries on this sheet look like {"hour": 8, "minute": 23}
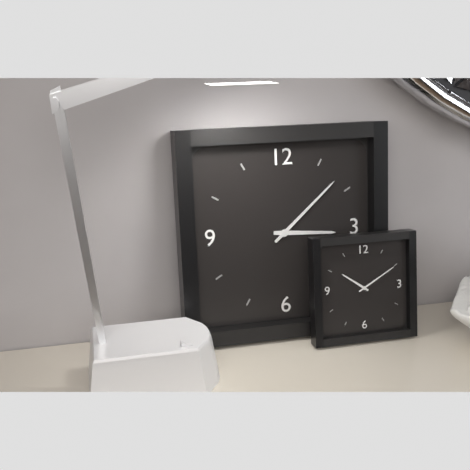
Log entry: {"hour": 3, "minute": 8}
